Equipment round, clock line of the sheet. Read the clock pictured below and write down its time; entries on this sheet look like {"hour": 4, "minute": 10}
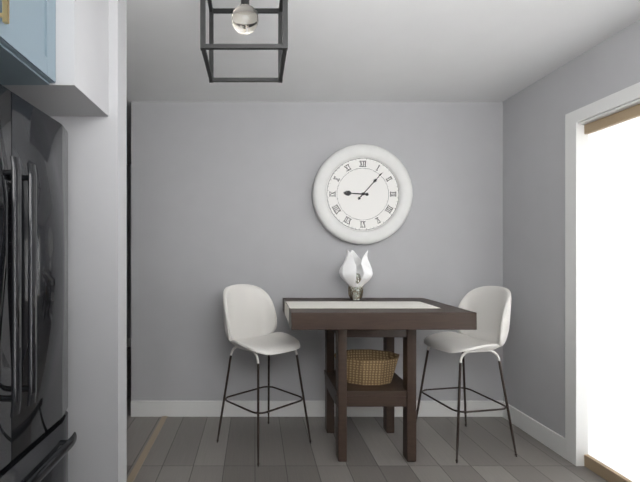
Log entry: {"hour": 9, "minute": 7}
